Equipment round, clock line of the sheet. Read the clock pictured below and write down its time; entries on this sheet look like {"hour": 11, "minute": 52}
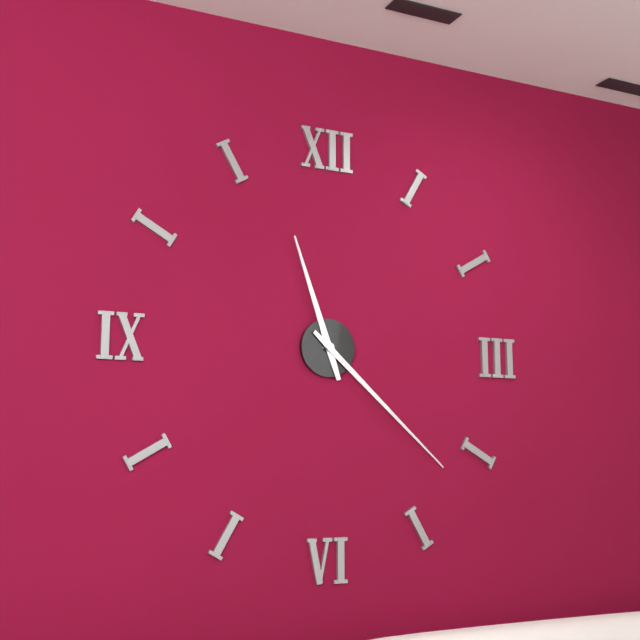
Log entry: {"hour": 11, "minute": 22}
